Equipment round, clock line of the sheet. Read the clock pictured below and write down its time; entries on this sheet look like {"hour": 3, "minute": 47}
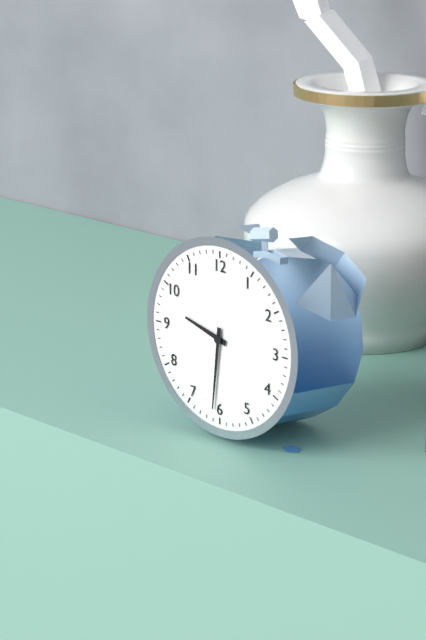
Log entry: {"hour": 9, "minute": 31}
